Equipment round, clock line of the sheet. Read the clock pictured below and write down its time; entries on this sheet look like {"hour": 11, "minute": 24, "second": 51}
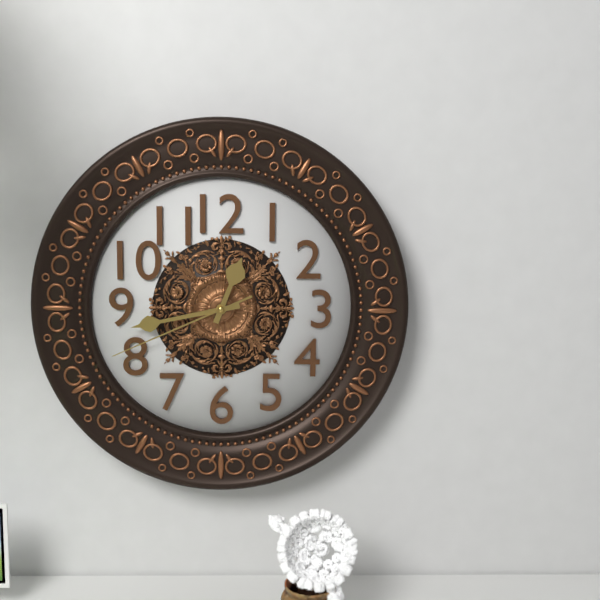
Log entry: {"hour": 12, "minute": 43, "second": 41}
